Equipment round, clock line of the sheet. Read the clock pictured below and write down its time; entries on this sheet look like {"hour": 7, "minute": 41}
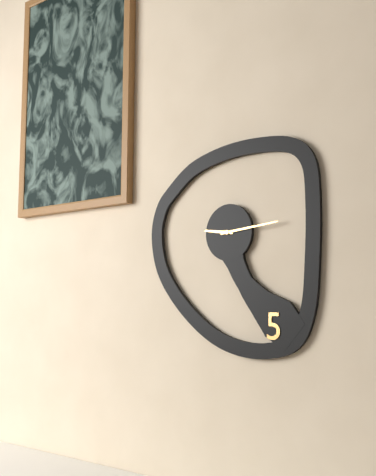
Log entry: {"hour": 9, "minute": 14}
